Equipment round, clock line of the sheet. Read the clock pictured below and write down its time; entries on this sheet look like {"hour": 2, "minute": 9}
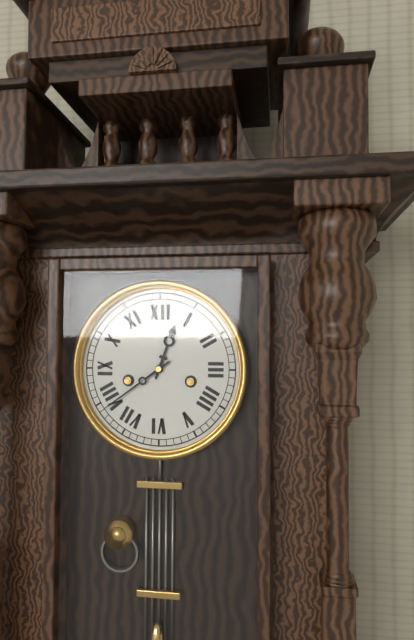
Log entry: {"hour": 12, "minute": 39}
